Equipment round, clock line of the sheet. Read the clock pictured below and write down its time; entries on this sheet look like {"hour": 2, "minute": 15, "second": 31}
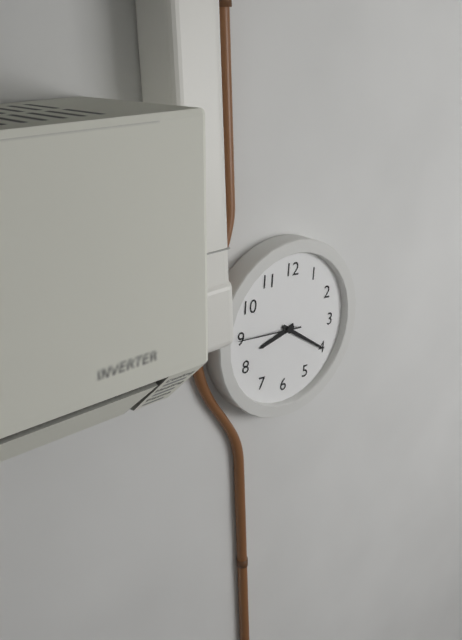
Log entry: {"hour": 8, "minute": 20, "second": 45}
